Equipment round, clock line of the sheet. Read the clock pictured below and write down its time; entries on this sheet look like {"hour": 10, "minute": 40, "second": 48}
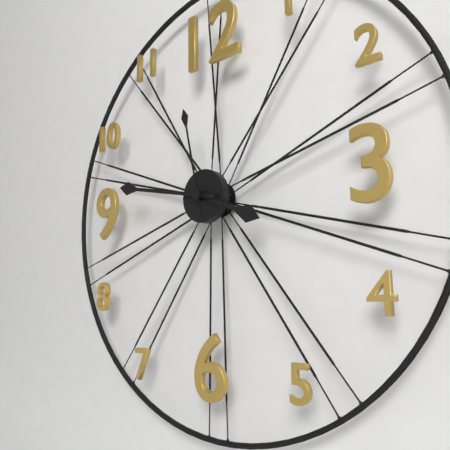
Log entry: {"hour": 3, "minute": 47, "second": 58}
